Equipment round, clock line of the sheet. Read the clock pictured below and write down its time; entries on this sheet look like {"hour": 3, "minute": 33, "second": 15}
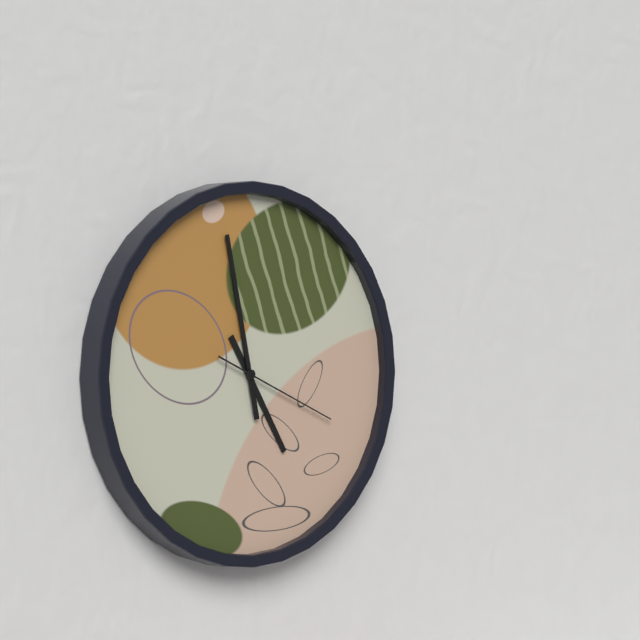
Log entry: {"hour": 4, "minute": 58, "second": 19}
